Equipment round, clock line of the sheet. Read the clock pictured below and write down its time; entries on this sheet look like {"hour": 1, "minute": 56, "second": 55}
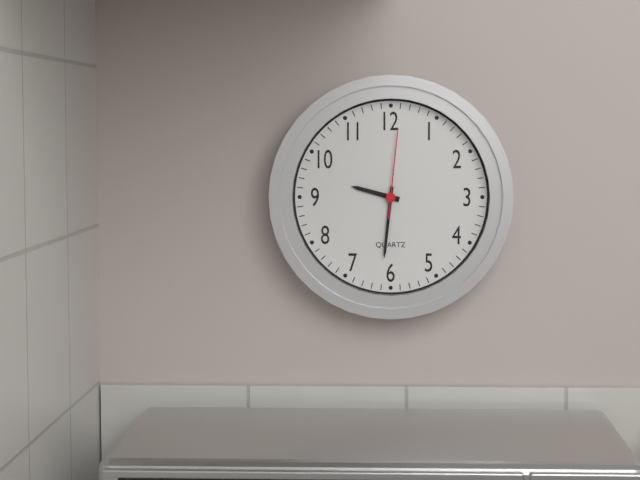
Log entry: {"hour": 9, "minute": 31, "second": 1}
